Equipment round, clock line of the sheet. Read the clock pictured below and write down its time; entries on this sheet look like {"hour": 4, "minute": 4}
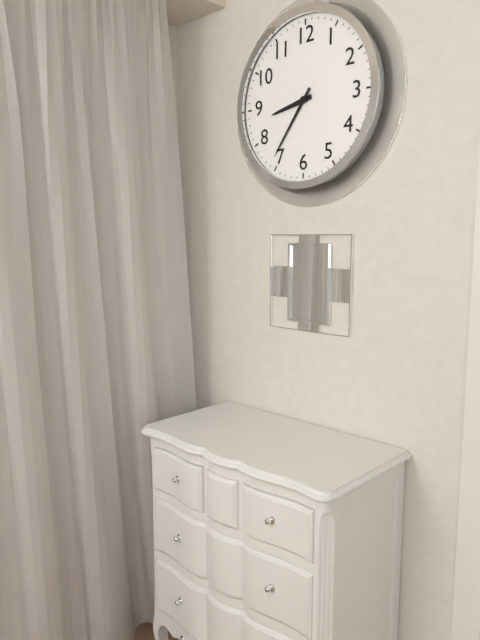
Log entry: {"hour": 8, "minute": 36}
